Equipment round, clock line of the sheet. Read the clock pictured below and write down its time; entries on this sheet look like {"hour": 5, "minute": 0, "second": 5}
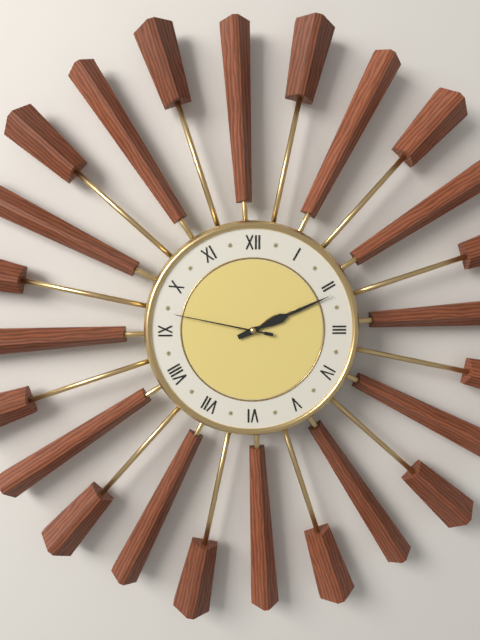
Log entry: {"hour": 2, "minute": 11, "second": 47}
